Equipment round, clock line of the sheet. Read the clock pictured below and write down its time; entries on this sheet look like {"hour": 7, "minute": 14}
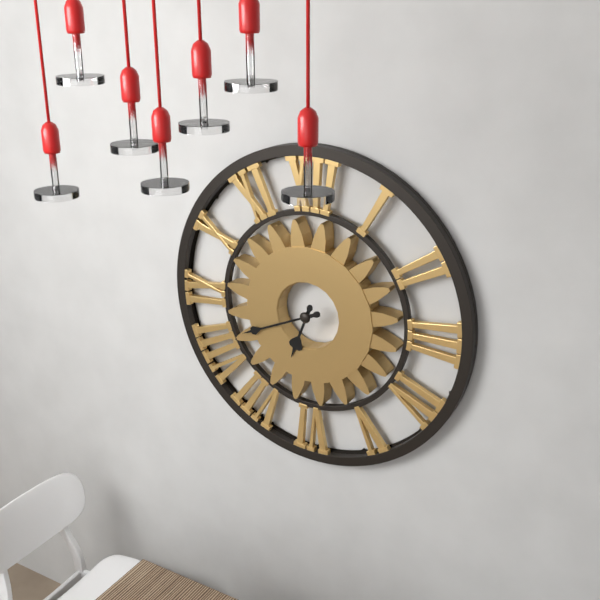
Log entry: {"hour": 6, "minute": 41}
